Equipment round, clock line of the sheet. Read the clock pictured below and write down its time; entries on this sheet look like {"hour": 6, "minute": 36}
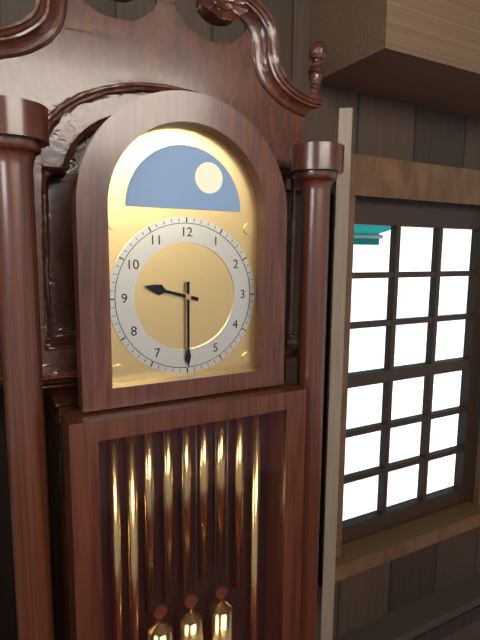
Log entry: {"hour": 9, "minute": 30}
